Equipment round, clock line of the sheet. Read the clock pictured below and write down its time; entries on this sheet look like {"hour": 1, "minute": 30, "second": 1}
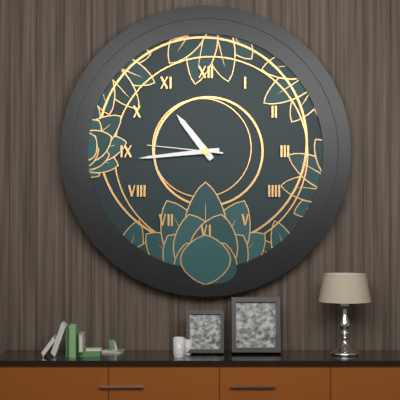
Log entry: {"hour": 10, "minute": 44, "second": 46}
